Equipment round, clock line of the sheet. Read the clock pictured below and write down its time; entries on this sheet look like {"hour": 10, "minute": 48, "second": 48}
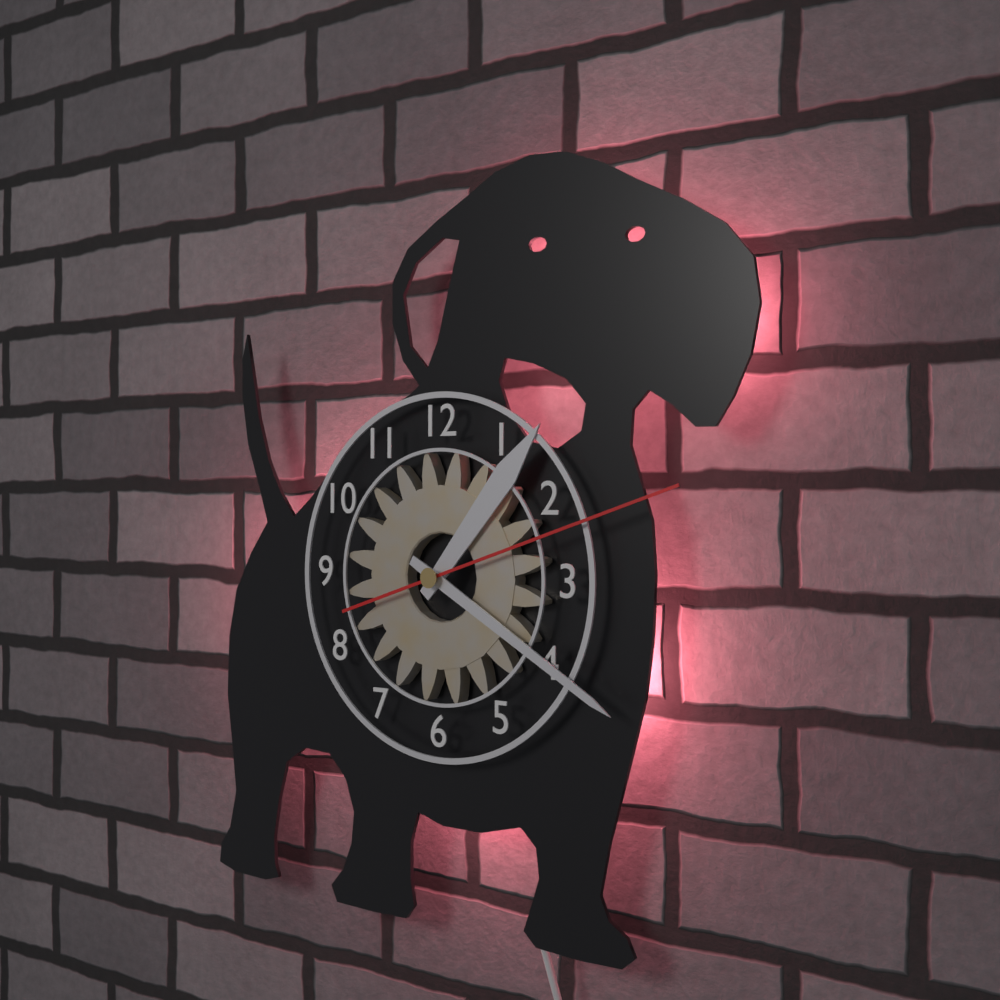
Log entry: {"hour": 1, "minute": 20, "second": 12}
